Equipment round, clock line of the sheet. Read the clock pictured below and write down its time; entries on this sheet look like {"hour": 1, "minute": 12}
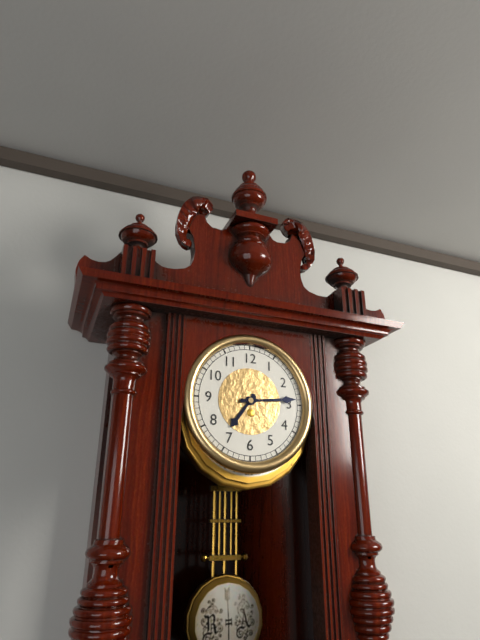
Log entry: {"hour": 7, "minute": 14}
